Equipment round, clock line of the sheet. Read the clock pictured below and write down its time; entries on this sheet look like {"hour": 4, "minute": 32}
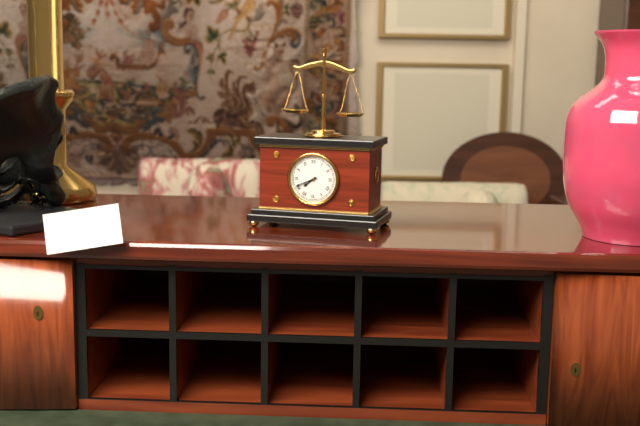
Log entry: {"hour": 7, "minute": 41}
